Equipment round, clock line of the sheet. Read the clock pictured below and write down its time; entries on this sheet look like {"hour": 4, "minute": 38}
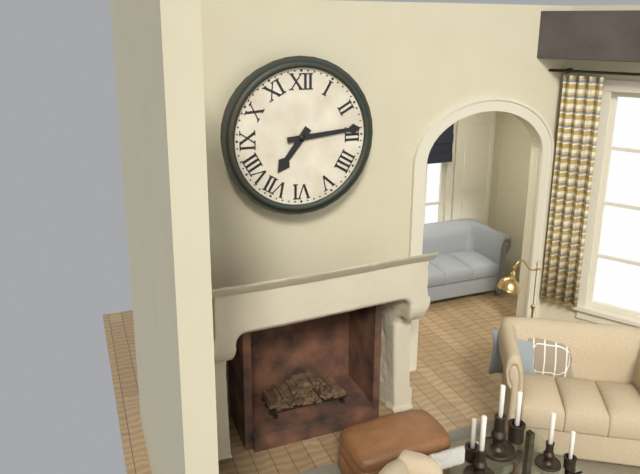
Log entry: {"hour": 7, "minute": 14}
